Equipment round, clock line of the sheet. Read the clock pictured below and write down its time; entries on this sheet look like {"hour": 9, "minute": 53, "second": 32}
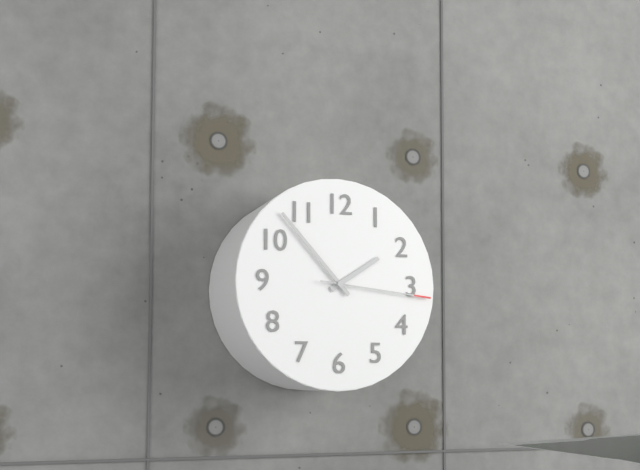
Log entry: {"hour": 1, "minute": 53, "second": 16}
